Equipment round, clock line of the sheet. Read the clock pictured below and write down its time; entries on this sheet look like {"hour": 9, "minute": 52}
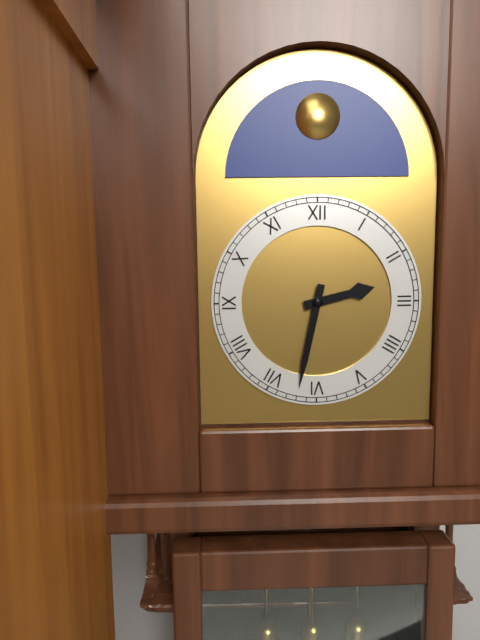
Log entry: {"hour": 2, "minute": 32}
